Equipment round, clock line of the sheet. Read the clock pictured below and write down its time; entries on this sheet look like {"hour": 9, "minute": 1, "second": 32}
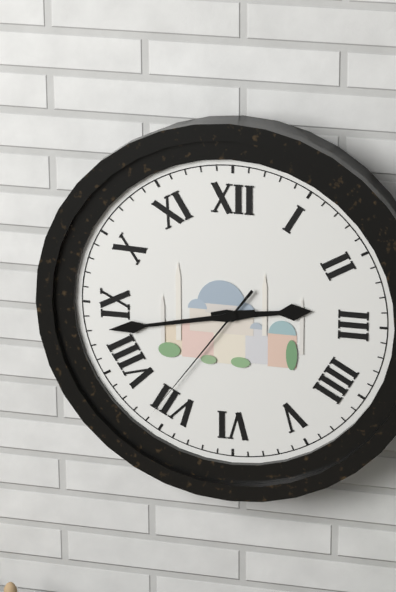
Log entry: {"hour": 2, "minute": 43, "second": 36}
